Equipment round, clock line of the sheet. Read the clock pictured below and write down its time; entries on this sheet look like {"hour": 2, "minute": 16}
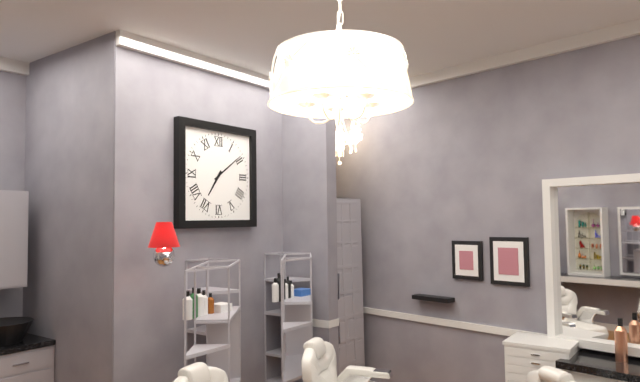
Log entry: {"hour": 7, "minute": 9}
